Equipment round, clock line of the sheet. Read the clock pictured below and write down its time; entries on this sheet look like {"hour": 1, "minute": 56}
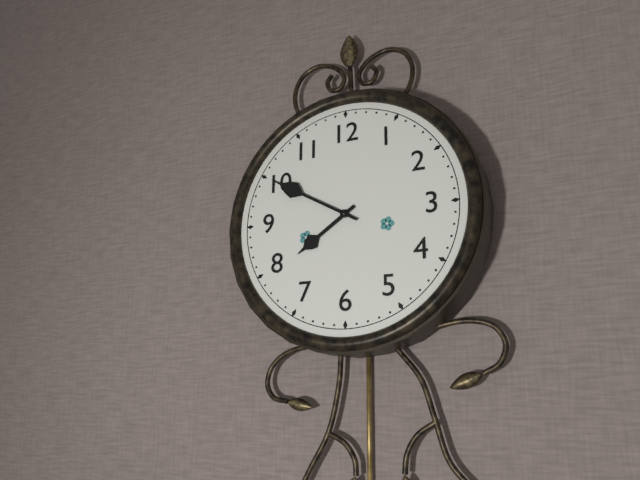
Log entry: {"hour": 7, "minute": 50}
